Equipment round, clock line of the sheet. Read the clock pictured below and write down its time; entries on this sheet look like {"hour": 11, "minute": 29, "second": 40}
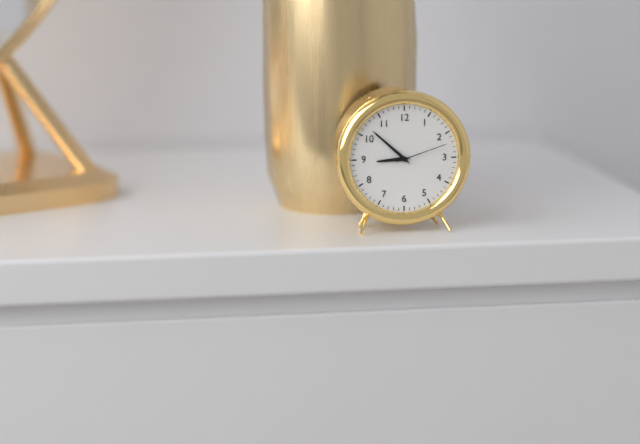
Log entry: {"hour": 8, "minute": 52, "second": 12}
